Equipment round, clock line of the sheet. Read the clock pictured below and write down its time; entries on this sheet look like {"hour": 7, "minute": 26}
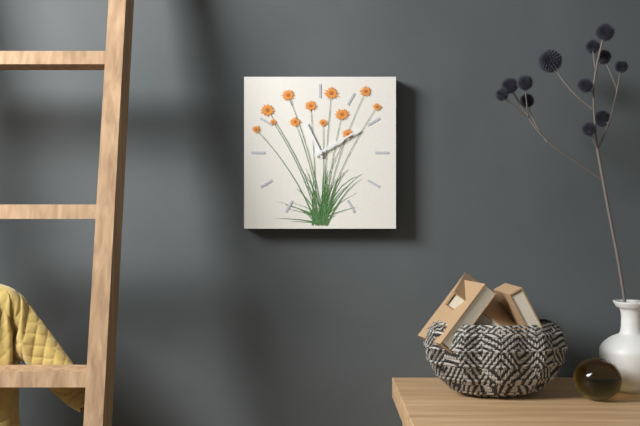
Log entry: {"hour": 11, "minute": 10}
